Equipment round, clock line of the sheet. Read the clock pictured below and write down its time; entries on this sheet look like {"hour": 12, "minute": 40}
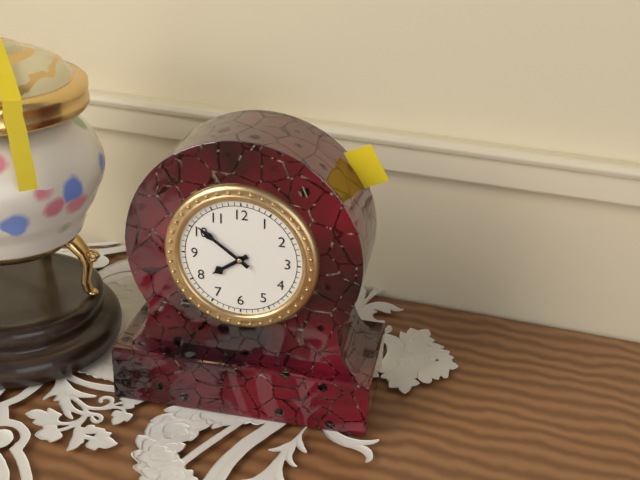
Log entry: {"hour": 7, "minute": 51}
